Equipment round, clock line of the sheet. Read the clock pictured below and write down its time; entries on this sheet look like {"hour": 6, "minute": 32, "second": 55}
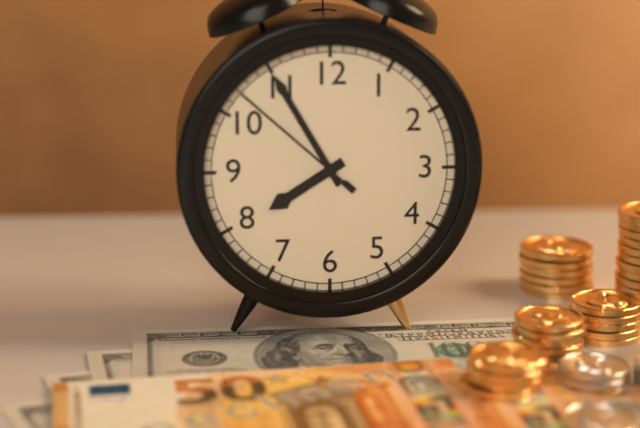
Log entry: {"hour": 7, "minute": 55, "second": 52}
